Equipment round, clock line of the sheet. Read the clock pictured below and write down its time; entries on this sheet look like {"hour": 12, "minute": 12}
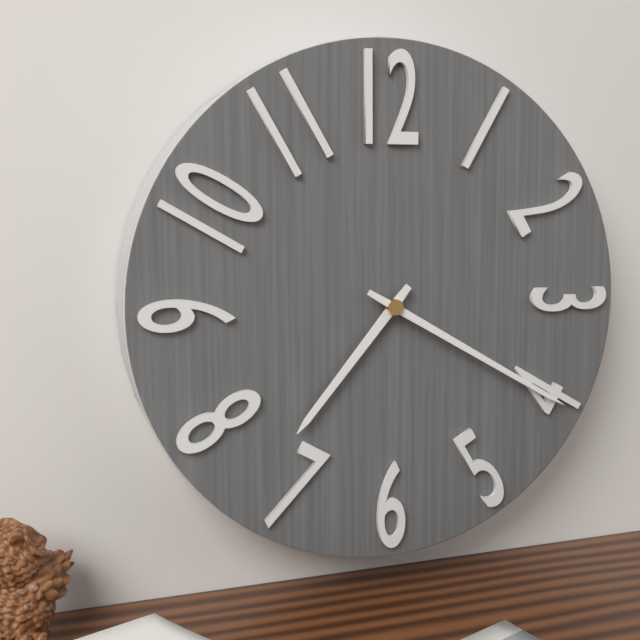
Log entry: {"hour": 7, "minute": 20}
